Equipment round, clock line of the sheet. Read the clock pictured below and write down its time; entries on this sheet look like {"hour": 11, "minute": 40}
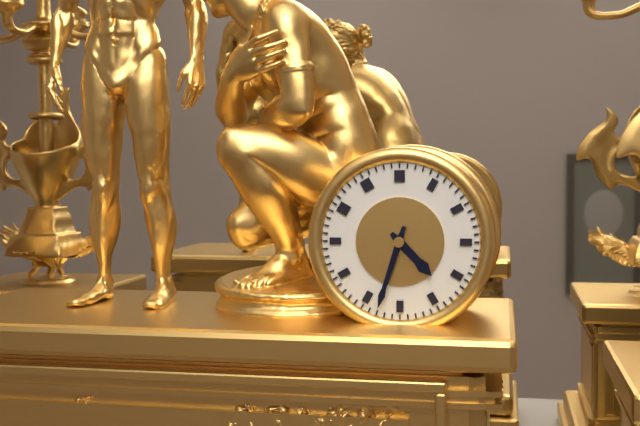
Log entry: {"hour": 4, "minute": 33}
